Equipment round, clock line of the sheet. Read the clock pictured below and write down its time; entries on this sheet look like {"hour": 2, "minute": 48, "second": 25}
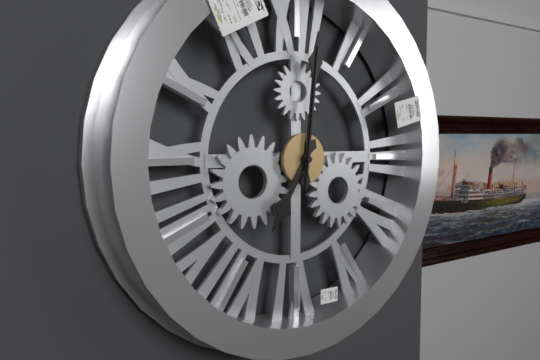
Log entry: {"hour": 7, "minute": 1, "second": 1}
